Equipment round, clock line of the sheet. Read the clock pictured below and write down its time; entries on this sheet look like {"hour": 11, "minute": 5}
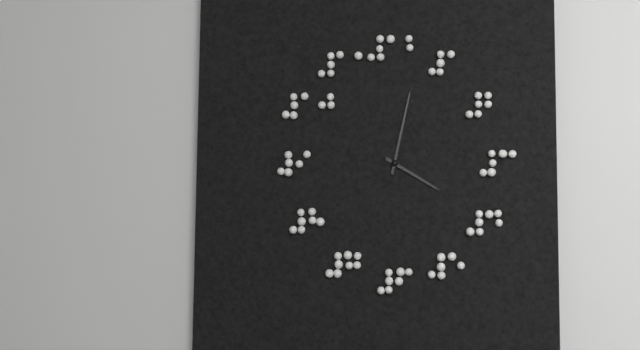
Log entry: {"hour": 4, "minute": 2}
